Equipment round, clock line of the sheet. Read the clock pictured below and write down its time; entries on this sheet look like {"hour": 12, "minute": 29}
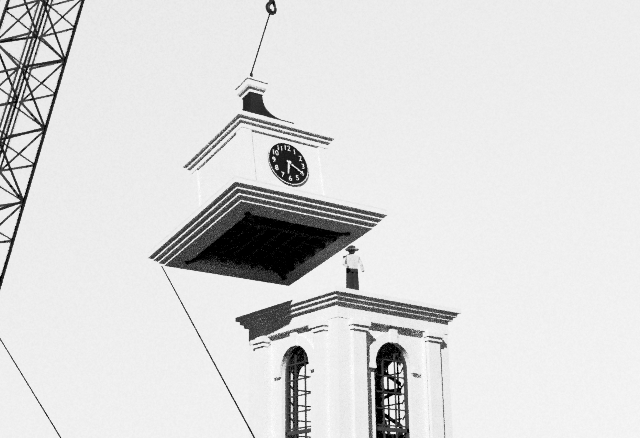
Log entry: {"hour": 6, "minute": 20}
